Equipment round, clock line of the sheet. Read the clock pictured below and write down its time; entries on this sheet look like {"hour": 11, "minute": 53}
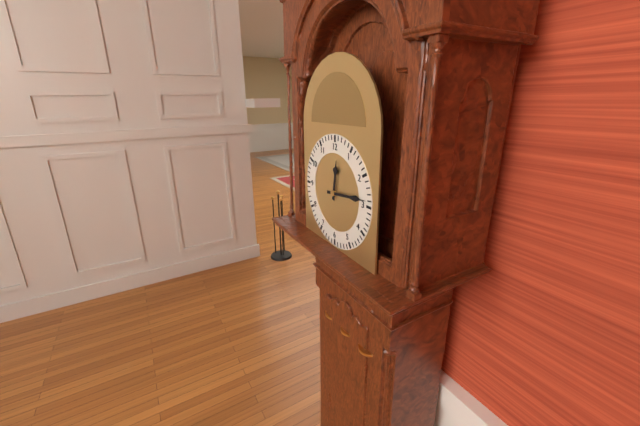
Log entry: {"hour": 12, "minute": 14}
